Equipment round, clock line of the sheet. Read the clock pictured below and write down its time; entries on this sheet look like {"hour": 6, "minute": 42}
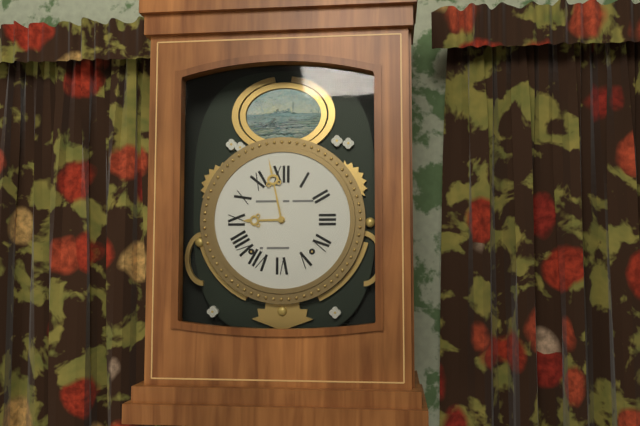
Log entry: {"hour": 8, "minute": 58}
